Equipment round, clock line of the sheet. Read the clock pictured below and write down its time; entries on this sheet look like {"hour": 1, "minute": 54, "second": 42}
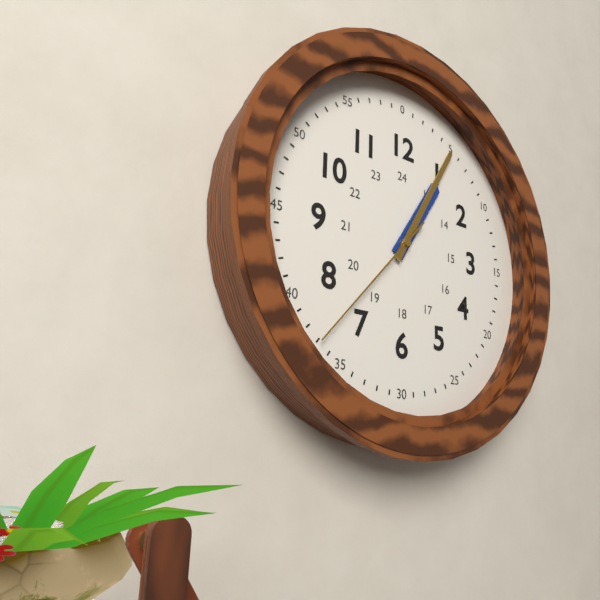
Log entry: {"hour": 1, "minute": 5, "second": 37}
